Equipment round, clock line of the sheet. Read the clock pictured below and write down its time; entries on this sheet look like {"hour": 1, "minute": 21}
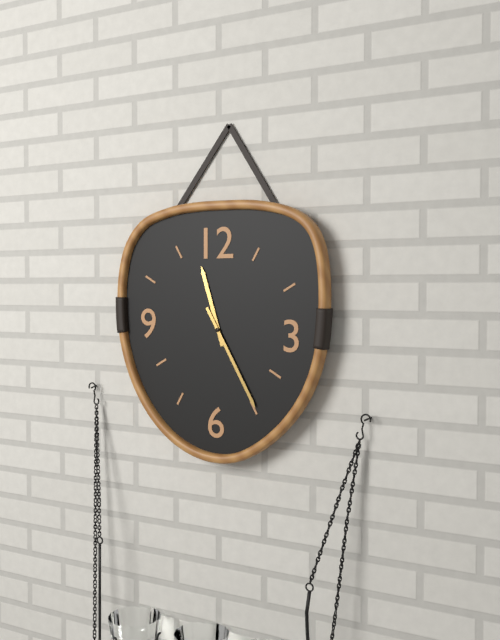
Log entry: {"hour": 11, "minute": 25}
